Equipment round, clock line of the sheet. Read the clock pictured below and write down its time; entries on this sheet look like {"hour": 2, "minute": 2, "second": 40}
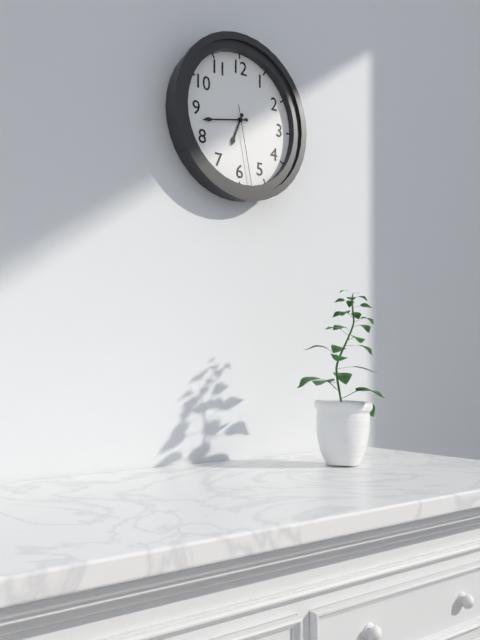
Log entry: {"hour": 6, "minute": 43, "second": 28}
